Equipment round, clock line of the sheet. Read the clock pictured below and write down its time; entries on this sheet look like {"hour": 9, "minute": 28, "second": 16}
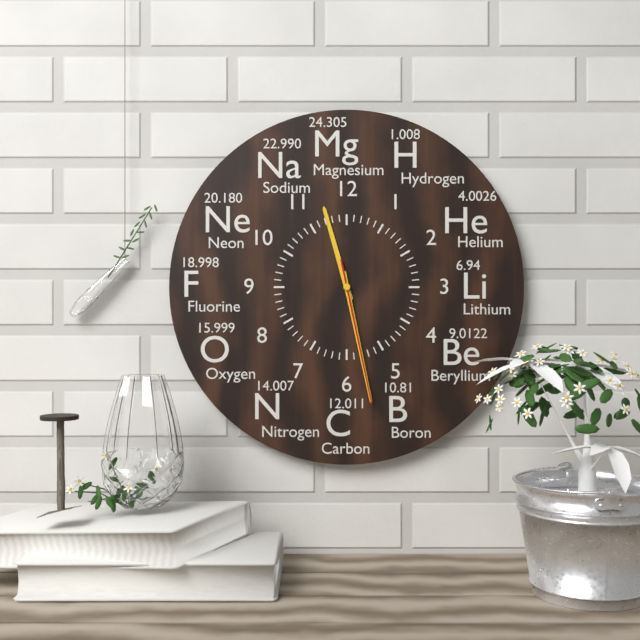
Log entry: {"hour": 11, "minute": 28, "second": 28}
